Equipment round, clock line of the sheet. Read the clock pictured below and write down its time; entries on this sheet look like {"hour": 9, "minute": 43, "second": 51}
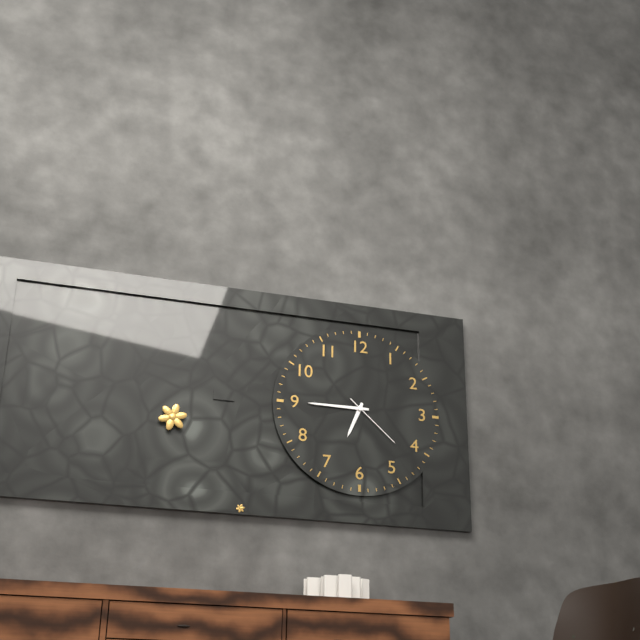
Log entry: {"hour": 6, "minute": 45, "second": 22}
